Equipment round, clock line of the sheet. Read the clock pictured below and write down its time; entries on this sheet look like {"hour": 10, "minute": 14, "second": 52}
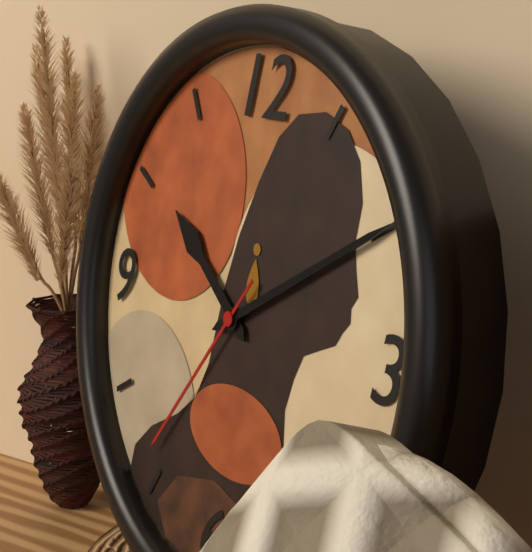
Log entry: {"hour": 10, "minute": 10, "second": 36}
